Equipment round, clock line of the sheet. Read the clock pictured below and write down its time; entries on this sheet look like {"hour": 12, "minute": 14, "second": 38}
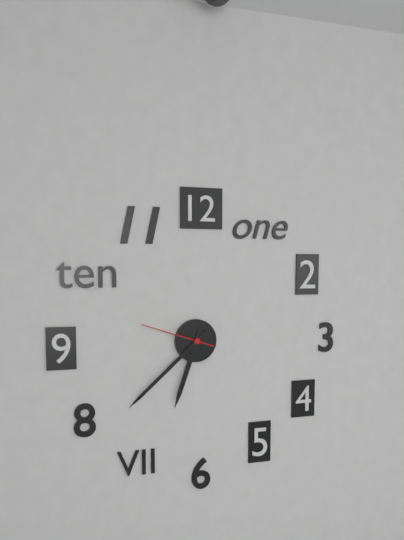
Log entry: {"hour": 6, "minute": 38, "second": 48}
